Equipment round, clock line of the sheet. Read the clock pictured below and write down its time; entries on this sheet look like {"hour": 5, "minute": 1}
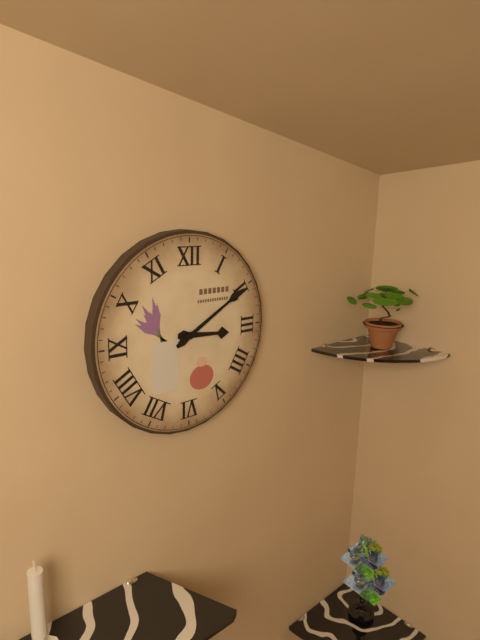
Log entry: {"hour": 3, "minute": 10}
